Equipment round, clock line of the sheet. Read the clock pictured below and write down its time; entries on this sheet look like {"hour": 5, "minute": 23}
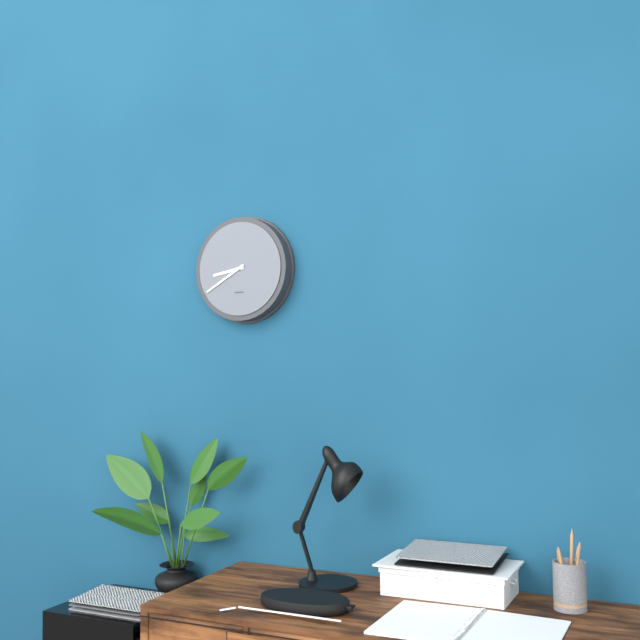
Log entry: {"hour": 8, "minute": 40}
